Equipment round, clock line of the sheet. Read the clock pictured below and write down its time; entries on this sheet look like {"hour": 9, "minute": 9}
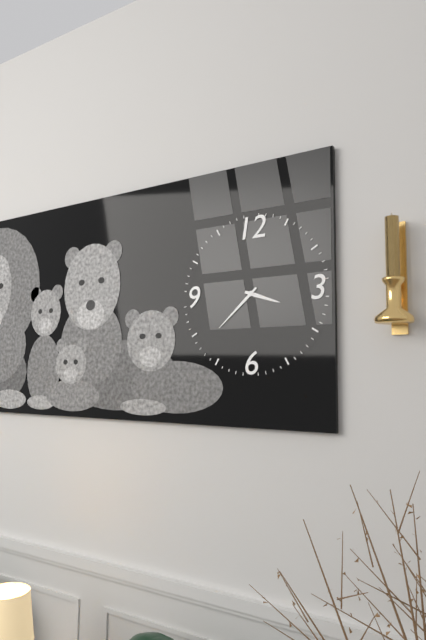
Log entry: {"hour": 3, "minute": 38}
